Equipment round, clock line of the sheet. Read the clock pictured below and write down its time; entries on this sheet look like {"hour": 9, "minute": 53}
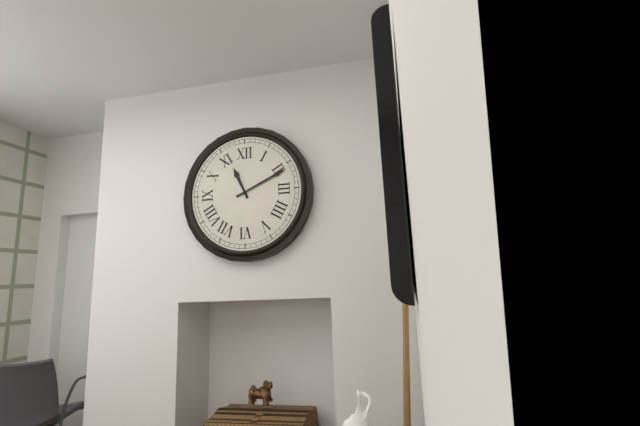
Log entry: {"hour": 11, "minute": 11}
